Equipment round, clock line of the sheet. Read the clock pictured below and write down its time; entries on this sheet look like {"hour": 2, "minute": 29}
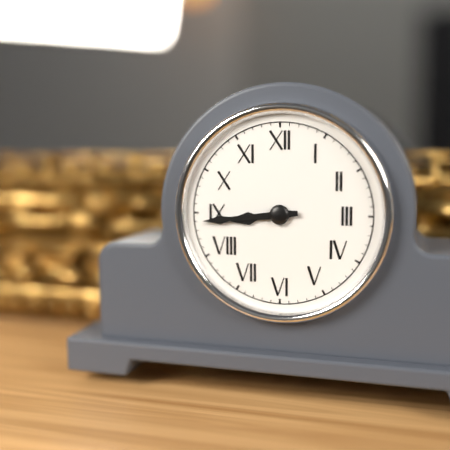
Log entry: {"hour": 8, "minute": 44}
